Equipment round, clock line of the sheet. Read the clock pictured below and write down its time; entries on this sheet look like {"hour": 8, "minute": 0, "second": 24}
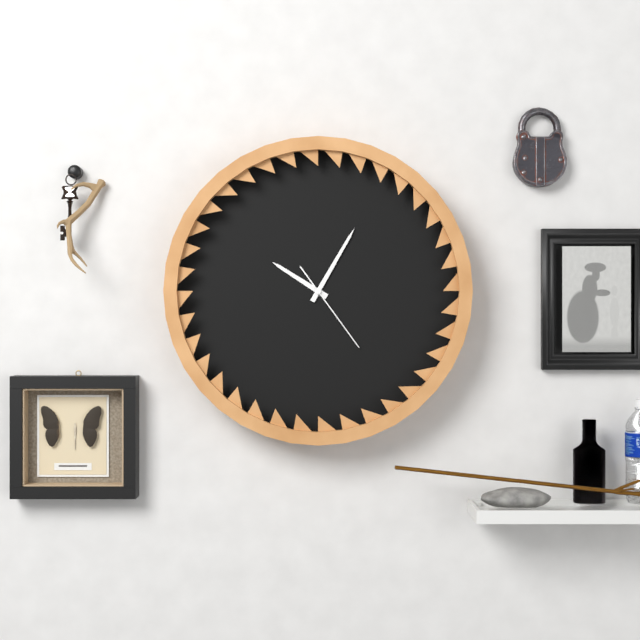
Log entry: {"hour": 10, "minute": 5, "second": 24}
